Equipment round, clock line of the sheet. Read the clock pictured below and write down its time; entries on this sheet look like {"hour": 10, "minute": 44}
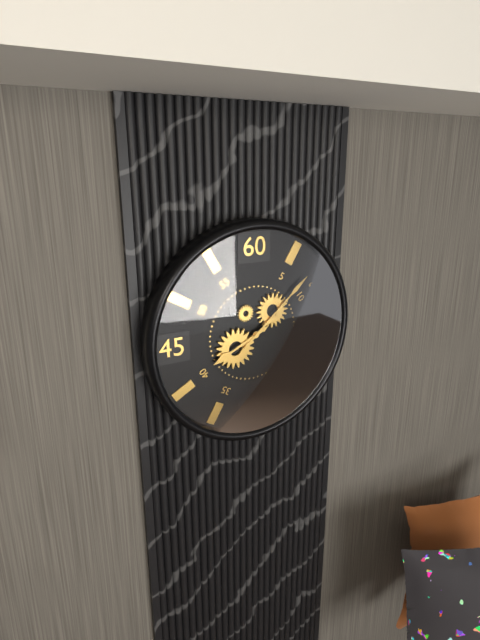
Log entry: {"hour": 8, "minute": 8}
